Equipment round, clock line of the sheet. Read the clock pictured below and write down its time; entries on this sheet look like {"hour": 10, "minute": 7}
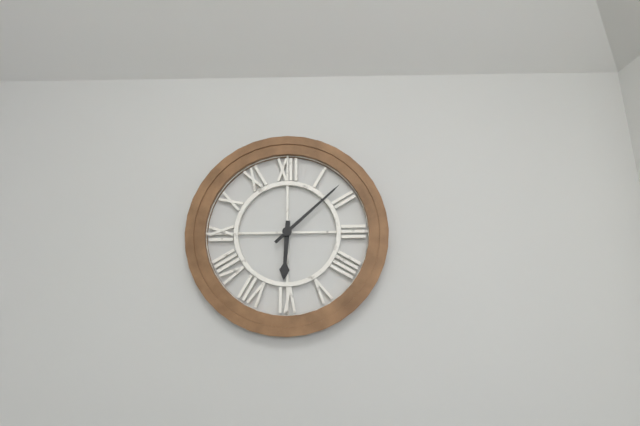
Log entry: {"hour": 6, "minute": 8}
